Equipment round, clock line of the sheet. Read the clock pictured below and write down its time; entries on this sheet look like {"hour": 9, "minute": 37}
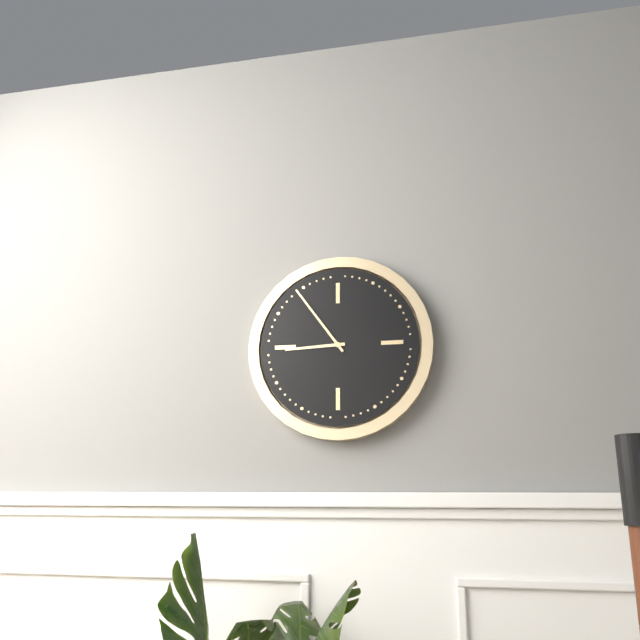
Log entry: {"hour": 8, "minute": 54}
